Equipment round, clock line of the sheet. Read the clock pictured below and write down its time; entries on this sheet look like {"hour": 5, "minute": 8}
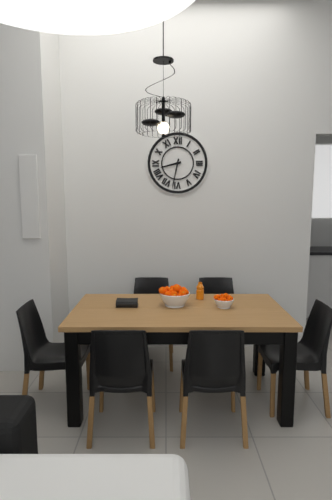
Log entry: {"hour": 8, "minute": 32}
